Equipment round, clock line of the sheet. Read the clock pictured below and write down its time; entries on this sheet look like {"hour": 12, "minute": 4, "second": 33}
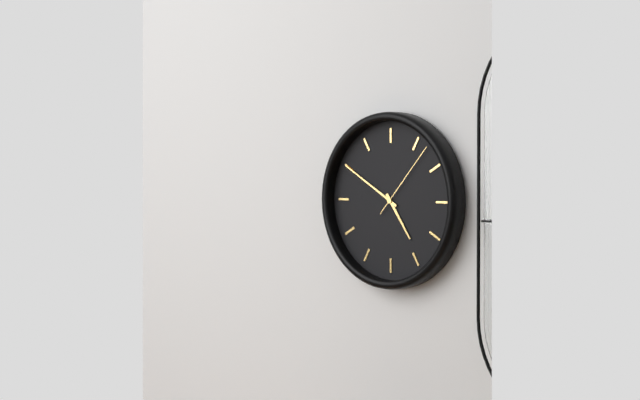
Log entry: {"hour": 4, "minute": 50, "second": 7}
